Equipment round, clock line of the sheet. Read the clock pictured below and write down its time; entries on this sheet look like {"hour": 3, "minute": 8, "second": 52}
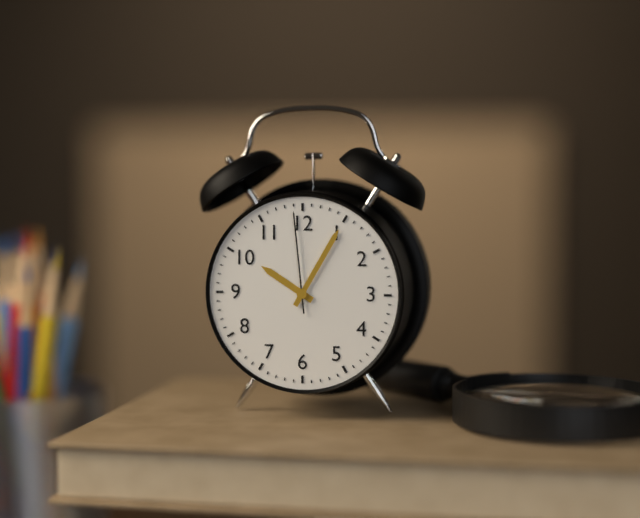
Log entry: {"hour": 10, "minute": 5, "second": 59}
